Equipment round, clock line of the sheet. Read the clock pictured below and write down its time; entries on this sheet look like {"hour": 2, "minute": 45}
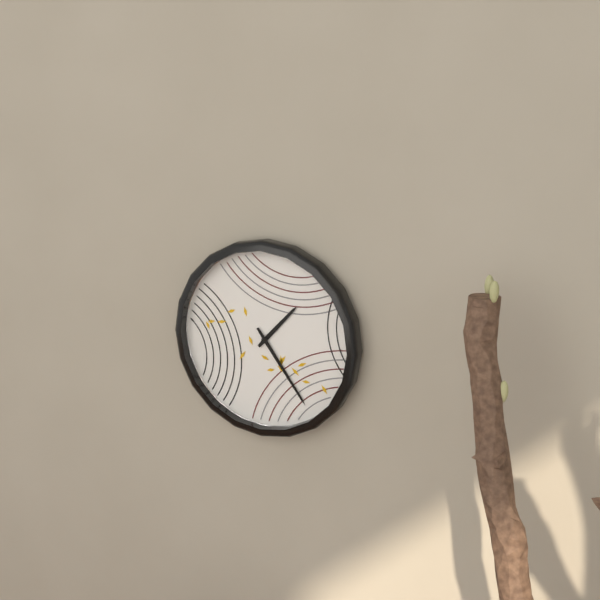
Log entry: {"hour": 1, "minute": 24}
